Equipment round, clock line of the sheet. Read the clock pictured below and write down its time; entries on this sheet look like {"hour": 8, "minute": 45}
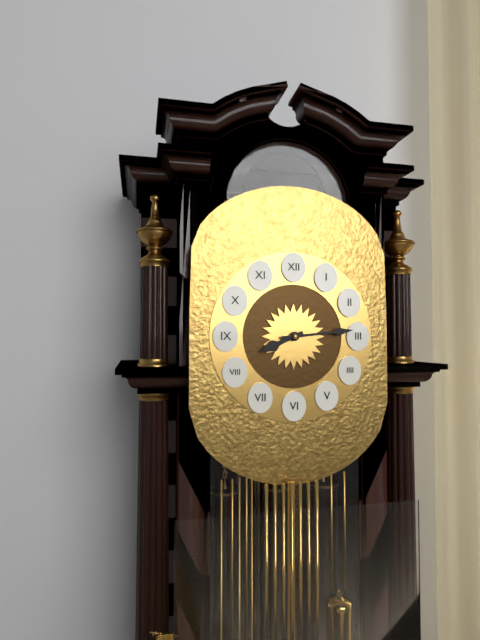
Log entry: {"hour": 8, "minute": 14}
